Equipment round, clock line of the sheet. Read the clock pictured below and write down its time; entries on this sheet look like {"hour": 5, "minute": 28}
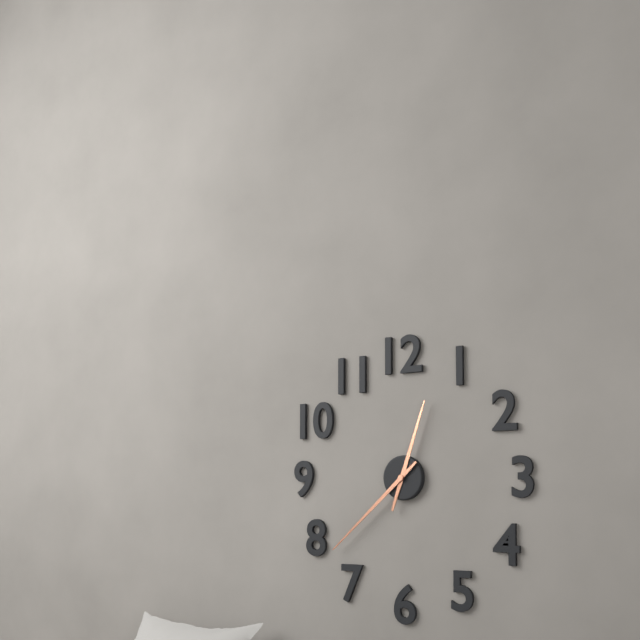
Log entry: {"hour": 12, "minute": 38}
